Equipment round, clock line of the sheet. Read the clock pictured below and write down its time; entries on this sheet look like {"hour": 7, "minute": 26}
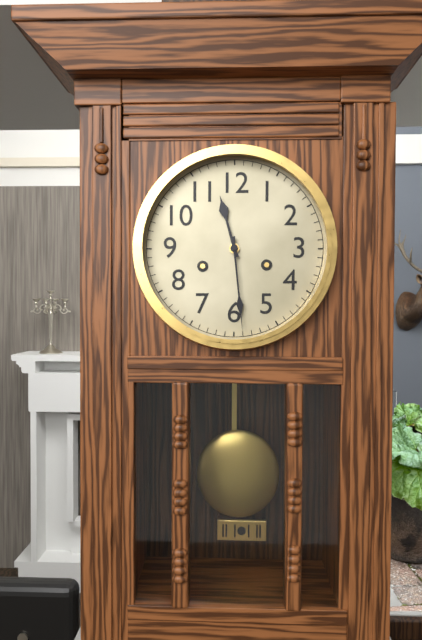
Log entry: {"hour": 11, "minute": 29}
